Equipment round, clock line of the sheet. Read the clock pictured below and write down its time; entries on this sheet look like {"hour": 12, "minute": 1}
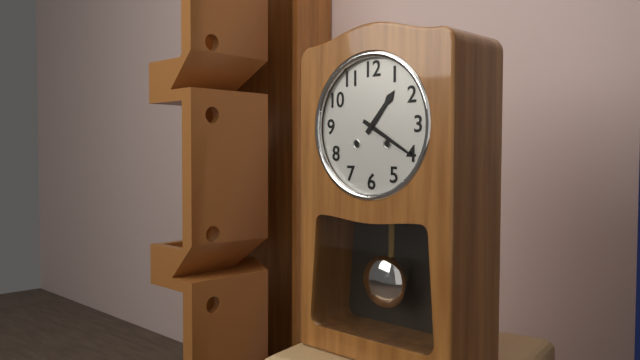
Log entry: {"hour": 1, "minute": 20}
